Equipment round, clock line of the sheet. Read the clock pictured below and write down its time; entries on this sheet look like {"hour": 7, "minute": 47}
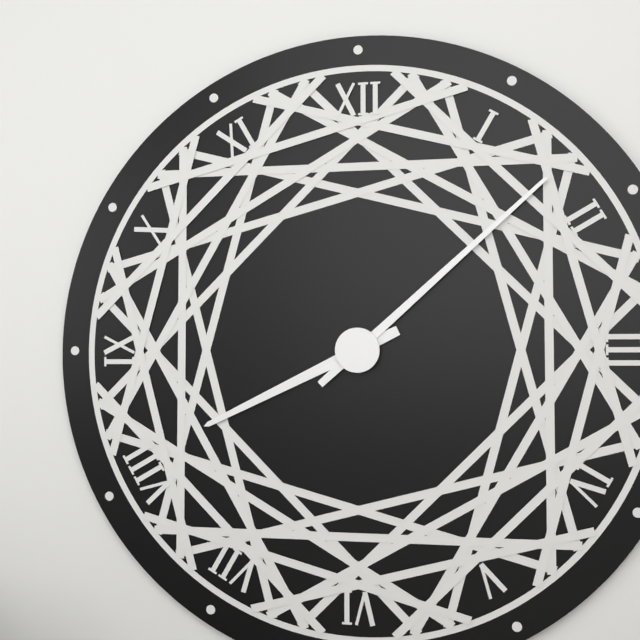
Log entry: {"hour": 8, "minute": 8}
